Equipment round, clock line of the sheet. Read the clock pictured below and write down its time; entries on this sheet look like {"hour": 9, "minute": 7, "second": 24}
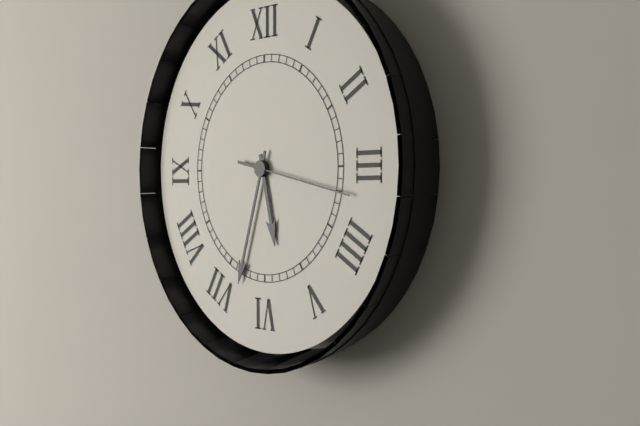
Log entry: {"hour": 5, "minute": 33, "second": 17}
